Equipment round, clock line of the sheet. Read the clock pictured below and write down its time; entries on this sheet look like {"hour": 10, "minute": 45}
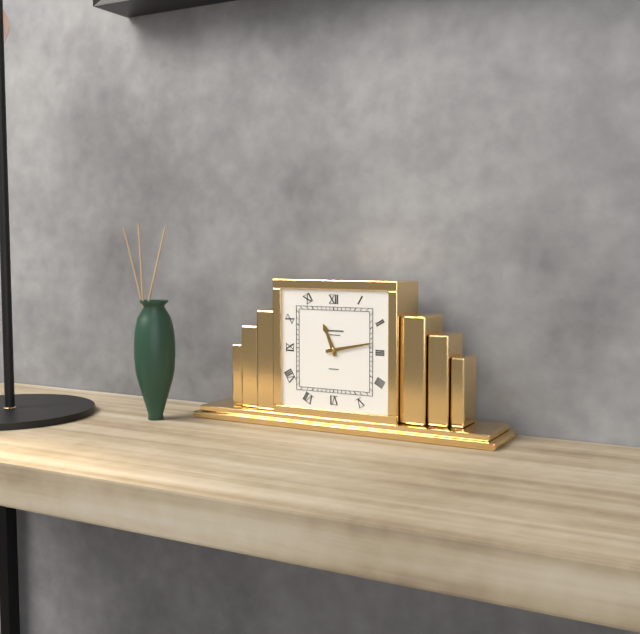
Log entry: {"hour": 11, "minute": 13}
